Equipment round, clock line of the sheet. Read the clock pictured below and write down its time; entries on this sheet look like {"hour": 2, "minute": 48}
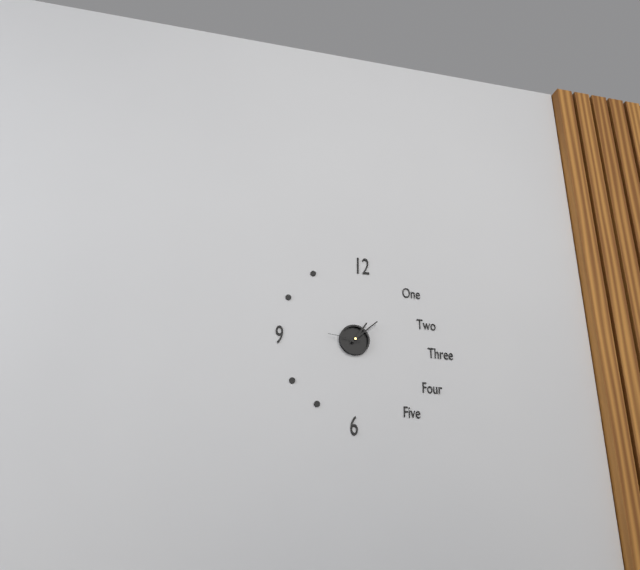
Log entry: {"hour": 1, "minute": 8}
